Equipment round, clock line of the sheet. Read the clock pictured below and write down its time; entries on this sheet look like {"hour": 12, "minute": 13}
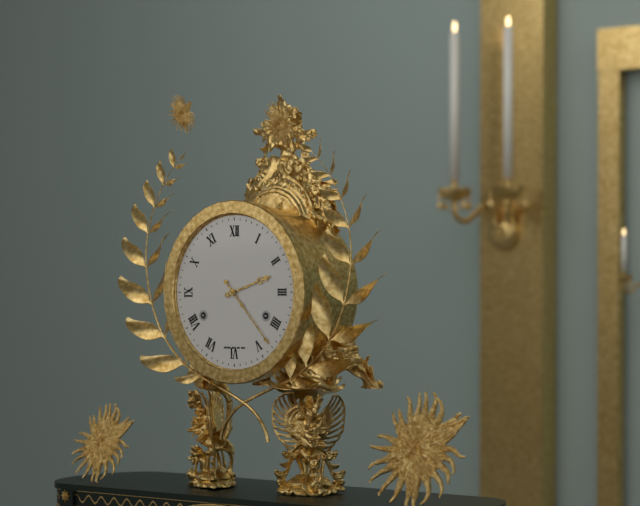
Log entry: {"hour": 2, "minute": 23}
